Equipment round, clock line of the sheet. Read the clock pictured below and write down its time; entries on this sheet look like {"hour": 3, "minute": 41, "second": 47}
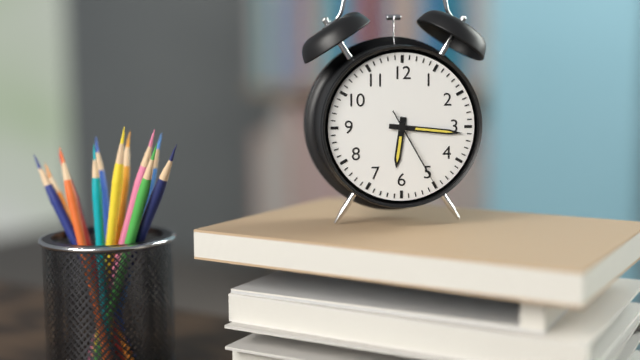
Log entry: {"hour": 6, "minute": 16, "second": 25}
